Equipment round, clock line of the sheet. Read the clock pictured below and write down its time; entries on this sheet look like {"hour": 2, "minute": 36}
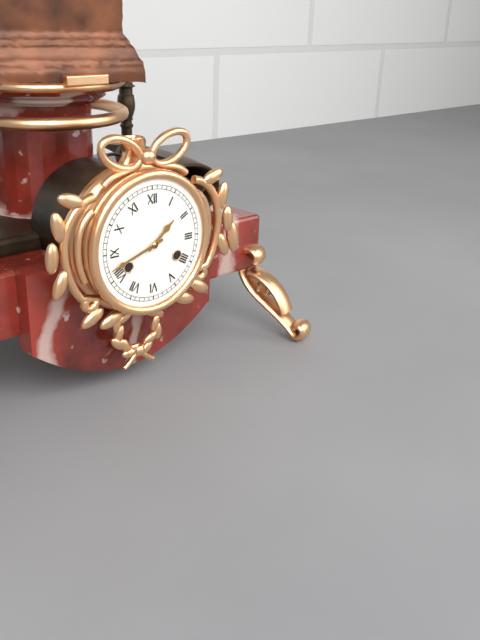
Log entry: {"hour": 1, "minute": 42}
